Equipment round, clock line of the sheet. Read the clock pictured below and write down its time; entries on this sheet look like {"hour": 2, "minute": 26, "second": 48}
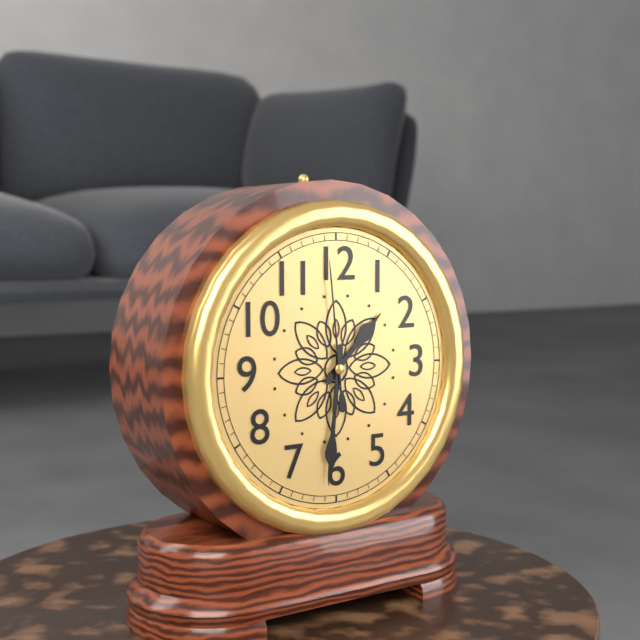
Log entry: {"hour": 1, "minute": 31, "second": 59}
